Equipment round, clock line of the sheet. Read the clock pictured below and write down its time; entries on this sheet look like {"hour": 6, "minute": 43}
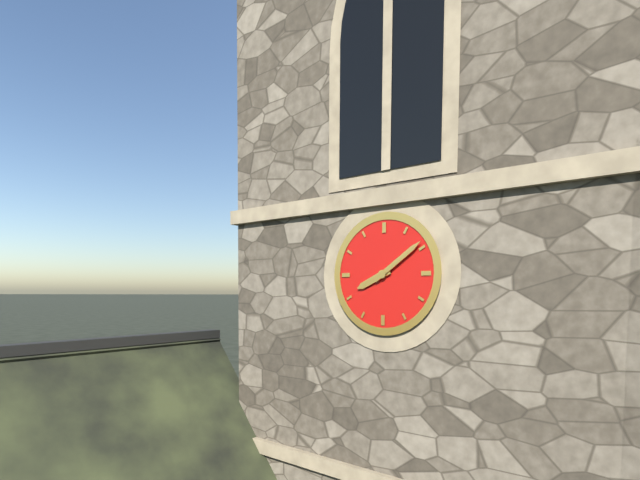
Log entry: {"hour": 8, "minute": 9}
